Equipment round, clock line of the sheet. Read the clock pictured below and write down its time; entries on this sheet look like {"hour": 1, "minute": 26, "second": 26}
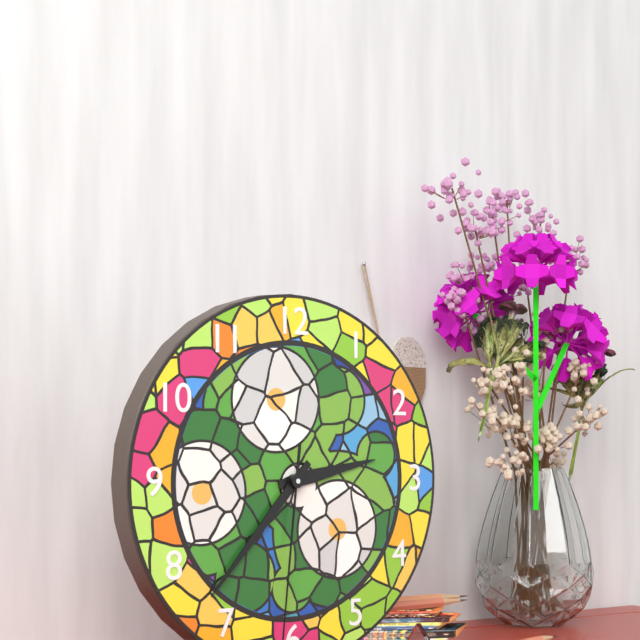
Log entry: {"hour": 2, "minute": 37, "second": 31}
